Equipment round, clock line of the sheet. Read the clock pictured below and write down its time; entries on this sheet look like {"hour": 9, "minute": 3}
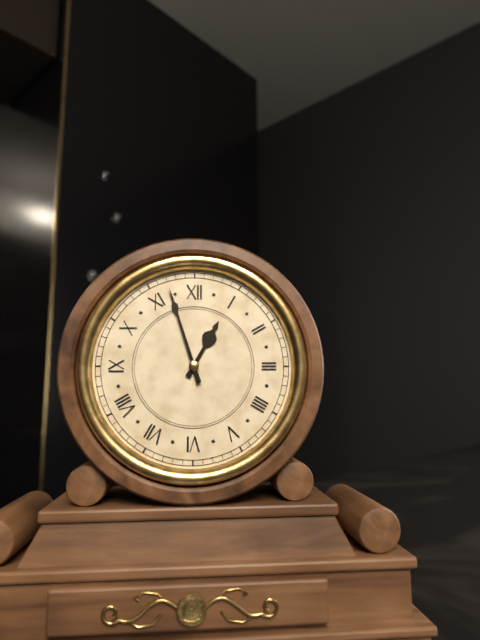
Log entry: {"hour": 12, "minute": 57}
